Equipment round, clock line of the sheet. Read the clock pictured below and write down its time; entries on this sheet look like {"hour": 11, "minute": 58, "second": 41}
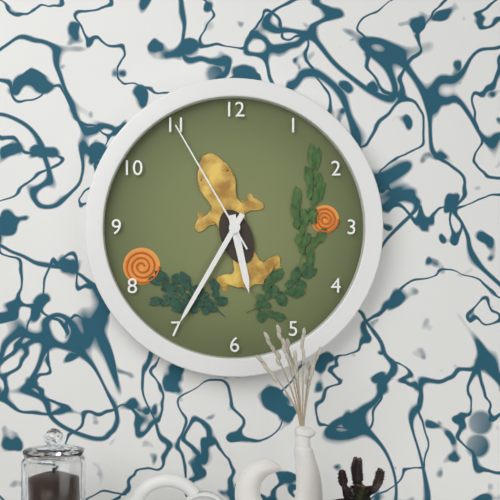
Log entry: {"hour": 5, "minute": 35, "second": 55}
